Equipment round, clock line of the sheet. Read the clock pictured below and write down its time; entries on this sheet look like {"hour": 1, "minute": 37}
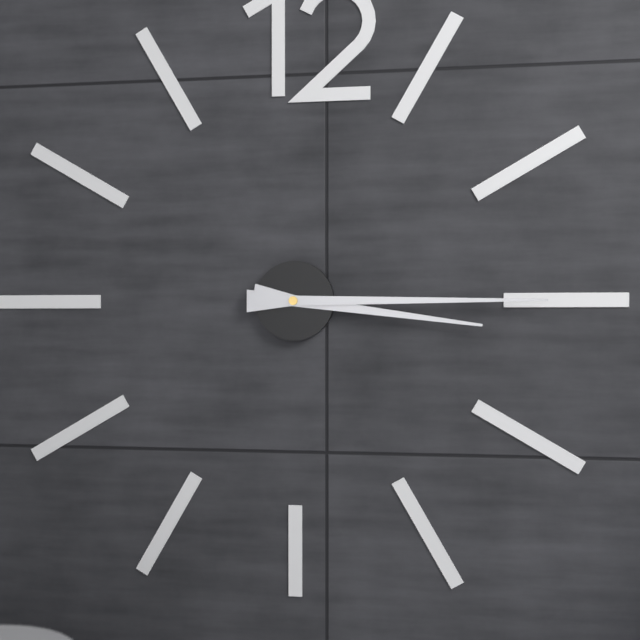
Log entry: {"hour": 3, "minute": 15}
